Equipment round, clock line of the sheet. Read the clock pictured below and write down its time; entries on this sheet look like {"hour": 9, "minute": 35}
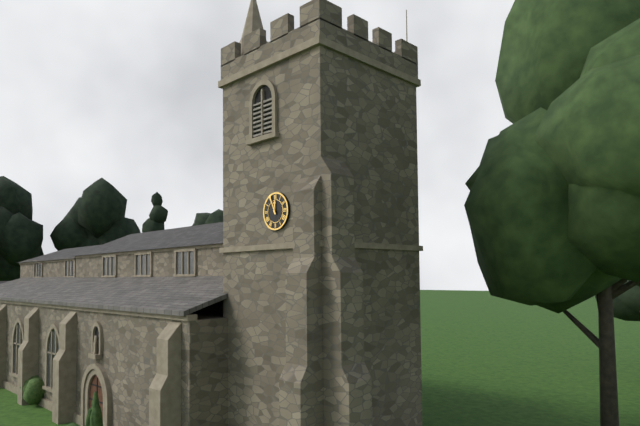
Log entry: {"hour": 11, "minute": 56}
